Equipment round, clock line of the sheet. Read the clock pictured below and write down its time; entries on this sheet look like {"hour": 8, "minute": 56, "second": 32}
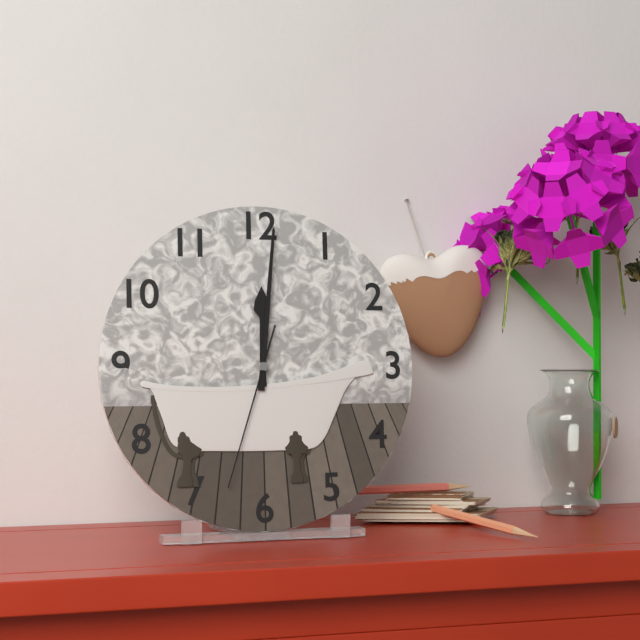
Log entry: {"hour": 12, "minute": 1, "second": 33}
